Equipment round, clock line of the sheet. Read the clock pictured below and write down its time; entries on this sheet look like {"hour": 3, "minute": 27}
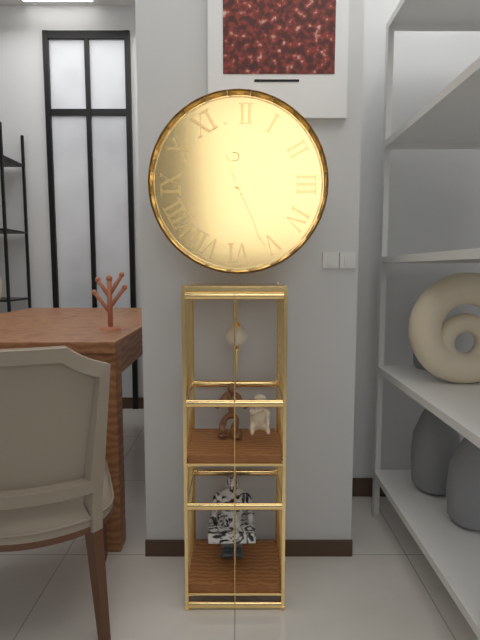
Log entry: {"hour": 11, "minute": 26}
